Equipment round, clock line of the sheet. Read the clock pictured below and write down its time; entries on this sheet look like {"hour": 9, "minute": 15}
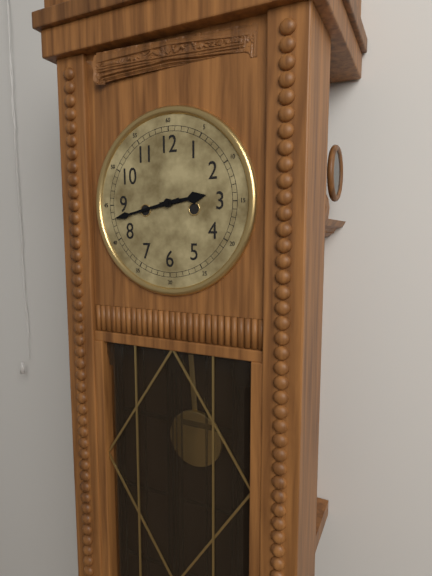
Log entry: {"hour": 2, "minute": 43}
